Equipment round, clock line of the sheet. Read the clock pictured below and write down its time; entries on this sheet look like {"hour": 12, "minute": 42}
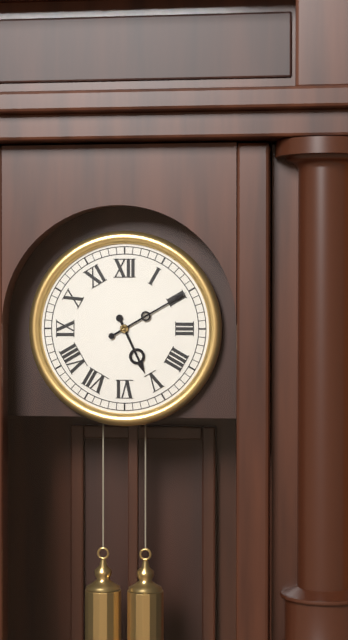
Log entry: {"hour": 5, "minute": 10}
